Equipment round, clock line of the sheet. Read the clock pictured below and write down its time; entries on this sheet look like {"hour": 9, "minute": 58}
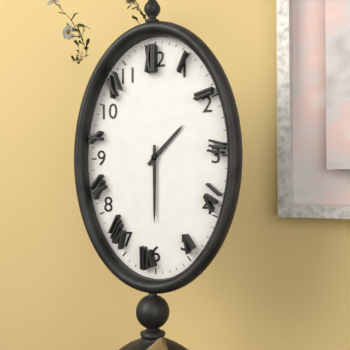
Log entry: {"hour": 1, "minute": 30}
